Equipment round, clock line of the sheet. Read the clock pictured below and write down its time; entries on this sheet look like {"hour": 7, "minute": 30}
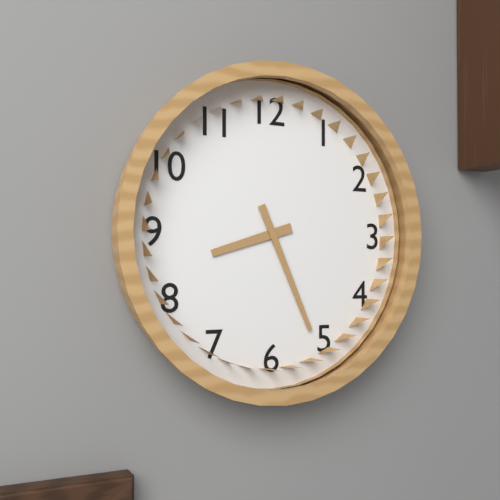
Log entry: {"hour": 8, "minute": 26}
